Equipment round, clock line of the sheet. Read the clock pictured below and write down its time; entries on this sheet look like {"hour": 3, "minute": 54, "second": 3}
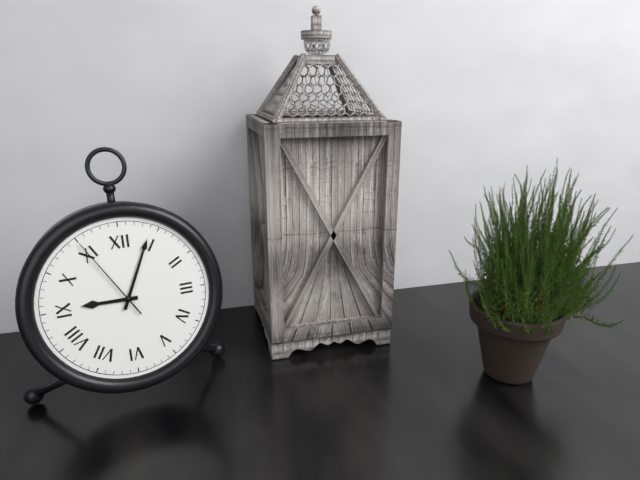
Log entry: {"hour": 9, "minute": 4, "second": 55}
